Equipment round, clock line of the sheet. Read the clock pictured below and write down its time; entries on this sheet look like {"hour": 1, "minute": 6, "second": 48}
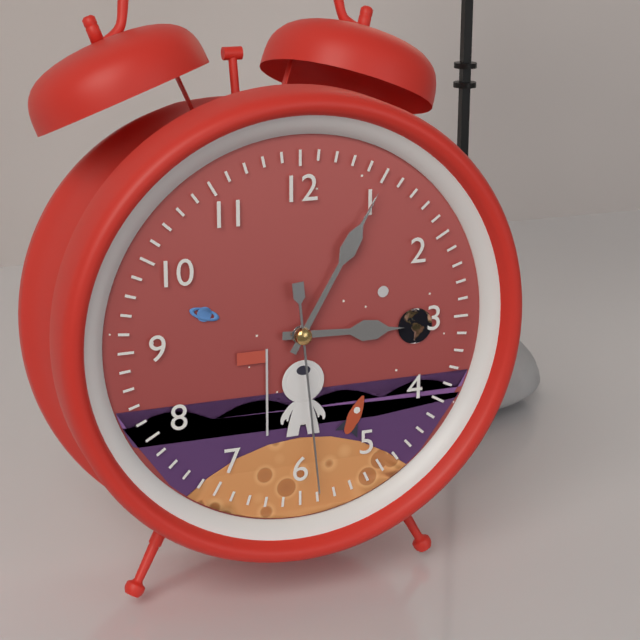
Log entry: {"hour": 3, "minute": 5, "second": 29}
